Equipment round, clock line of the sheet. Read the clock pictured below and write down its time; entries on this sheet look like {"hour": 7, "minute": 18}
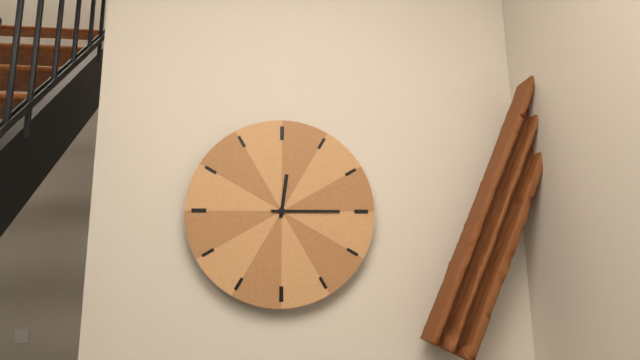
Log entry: {"hour": 12, "minute": 15}
